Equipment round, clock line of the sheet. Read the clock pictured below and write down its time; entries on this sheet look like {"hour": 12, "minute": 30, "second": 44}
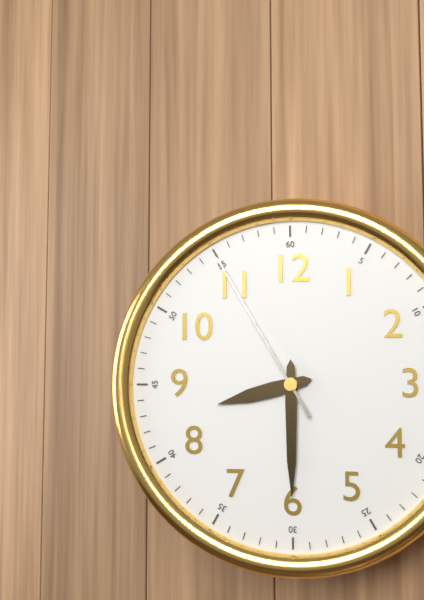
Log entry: {"hour": 8, "minute": 30, "second": 55}
